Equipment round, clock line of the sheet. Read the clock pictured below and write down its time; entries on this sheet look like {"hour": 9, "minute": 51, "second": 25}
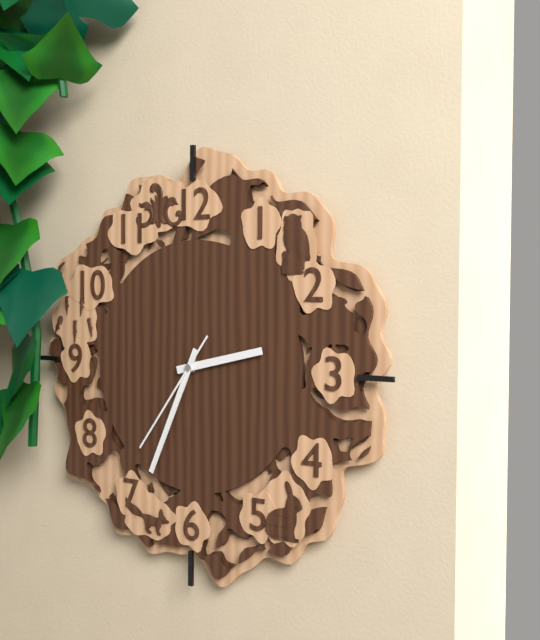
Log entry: {"hour": 2, "minute": 34, "second": 36}
